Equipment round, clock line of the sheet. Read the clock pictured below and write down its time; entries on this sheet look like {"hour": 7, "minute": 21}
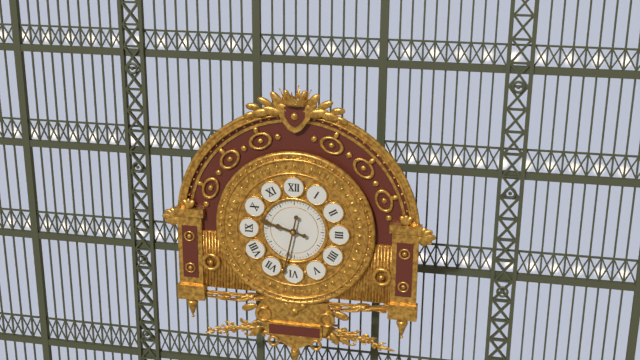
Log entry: {"hour": 9, "minute": 32}
